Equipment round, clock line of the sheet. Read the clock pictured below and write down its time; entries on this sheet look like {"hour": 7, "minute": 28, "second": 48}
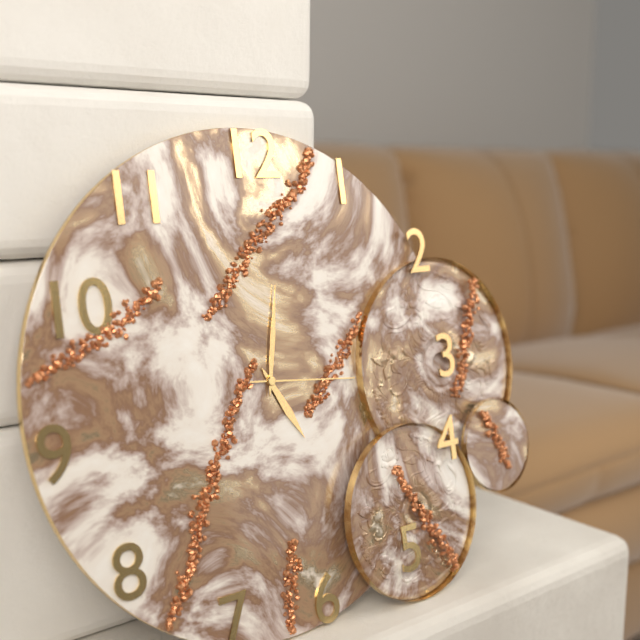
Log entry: {"hour": 5, "minute": 2, "second": 16}
